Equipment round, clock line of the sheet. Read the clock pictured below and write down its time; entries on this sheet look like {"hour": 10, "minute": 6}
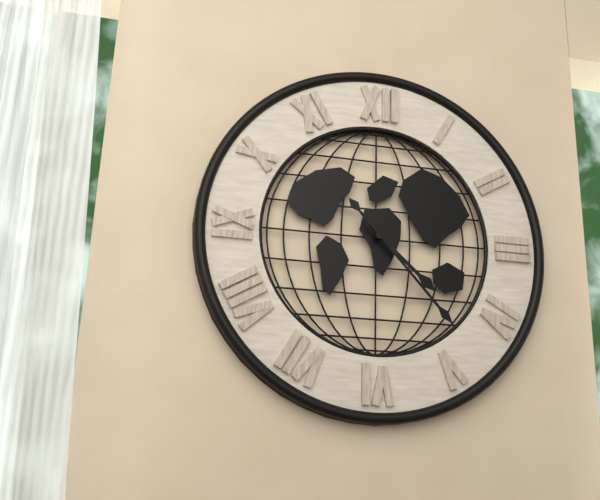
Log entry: {"hour": 4, "minute": 23}
